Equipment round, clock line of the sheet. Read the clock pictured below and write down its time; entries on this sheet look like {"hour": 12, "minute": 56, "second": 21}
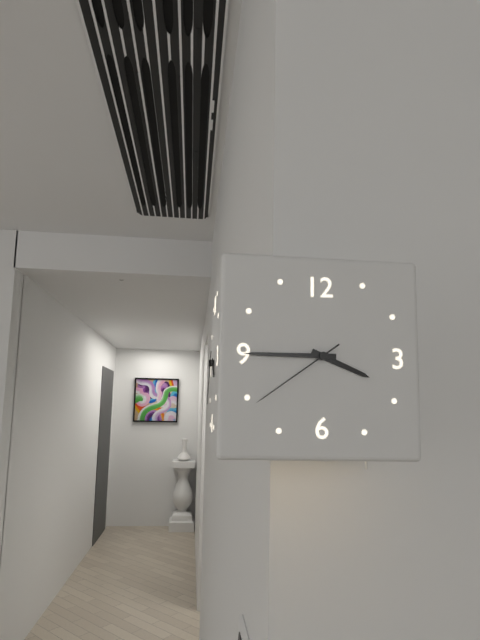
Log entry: {"hour": 3, "minute": 45, "second": 39}
